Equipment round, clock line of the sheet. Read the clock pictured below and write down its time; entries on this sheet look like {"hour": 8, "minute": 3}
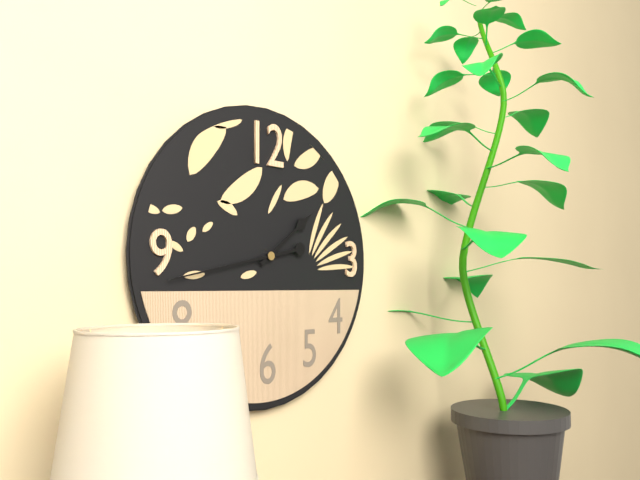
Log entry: {"hour": 1, "minute": 43}
